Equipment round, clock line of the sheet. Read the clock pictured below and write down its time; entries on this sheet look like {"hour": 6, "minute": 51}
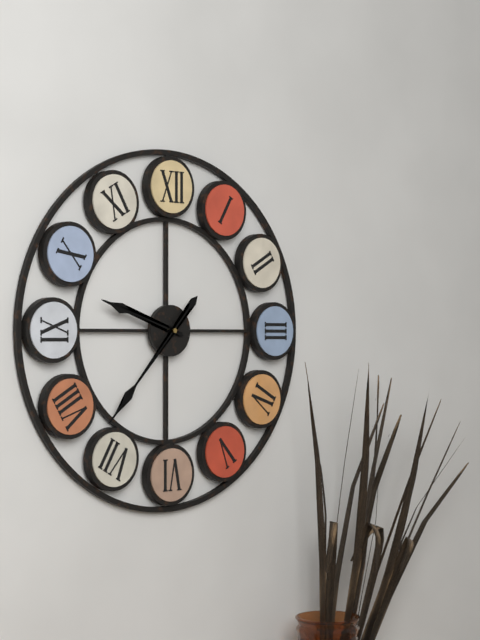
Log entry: {"hour": 9, "minute": 37}
